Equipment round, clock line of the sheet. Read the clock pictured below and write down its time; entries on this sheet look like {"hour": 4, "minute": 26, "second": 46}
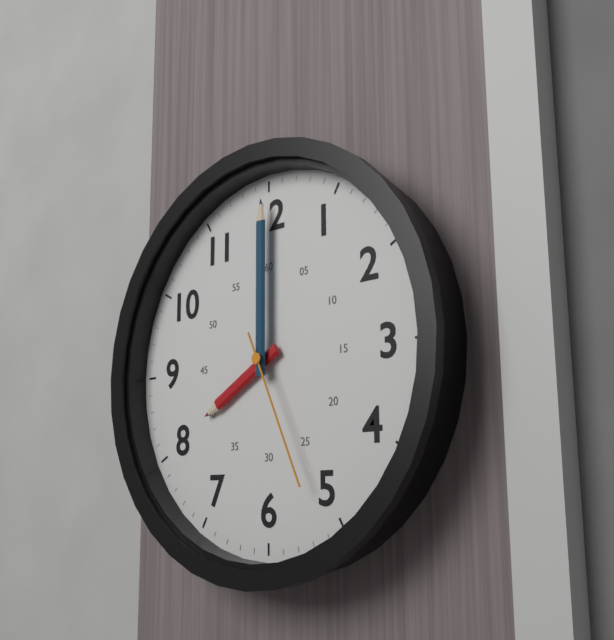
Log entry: {"hour": 8, "minute": 0, "second": 26}
